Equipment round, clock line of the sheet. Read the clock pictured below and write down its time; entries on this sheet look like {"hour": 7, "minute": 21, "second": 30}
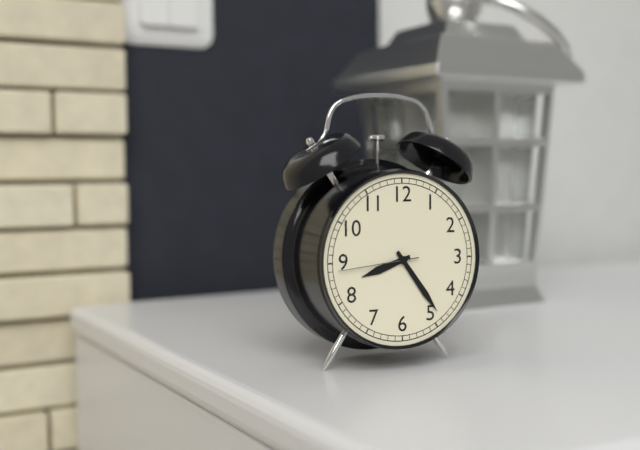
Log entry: {"hour": 8, "minute": 24, "second": 44}
